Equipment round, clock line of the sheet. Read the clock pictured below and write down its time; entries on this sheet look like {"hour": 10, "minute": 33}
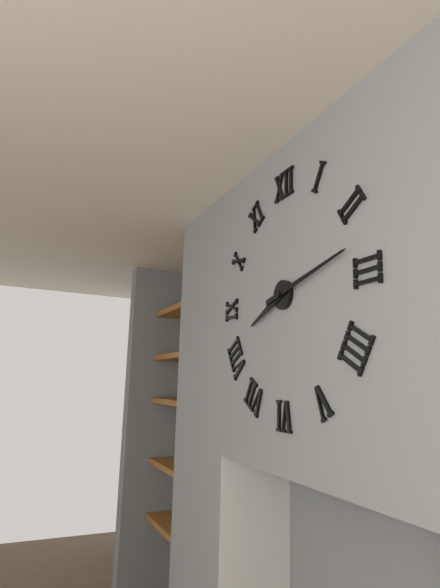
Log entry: {"hour": 8, "minute": 13}
